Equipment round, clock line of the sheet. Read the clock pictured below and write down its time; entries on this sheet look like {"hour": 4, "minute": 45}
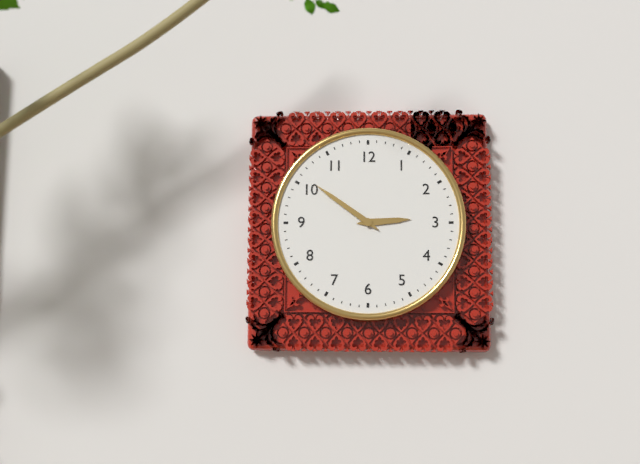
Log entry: {"hour": 2, "minute": 51}
